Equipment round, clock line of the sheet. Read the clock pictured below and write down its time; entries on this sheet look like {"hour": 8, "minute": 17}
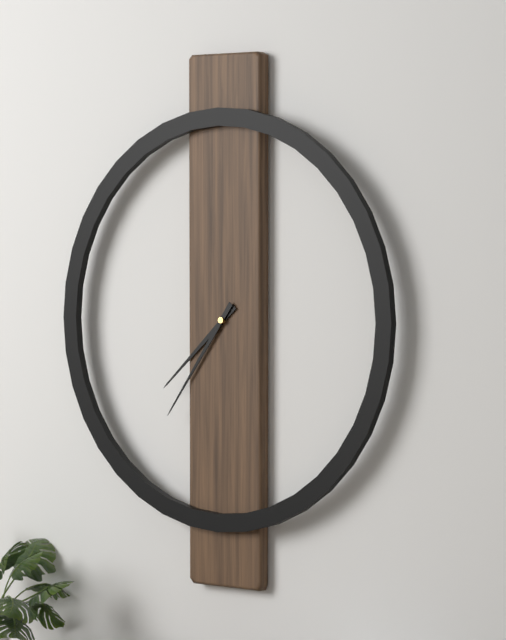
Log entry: {"hour": 7, "minute": 36}
